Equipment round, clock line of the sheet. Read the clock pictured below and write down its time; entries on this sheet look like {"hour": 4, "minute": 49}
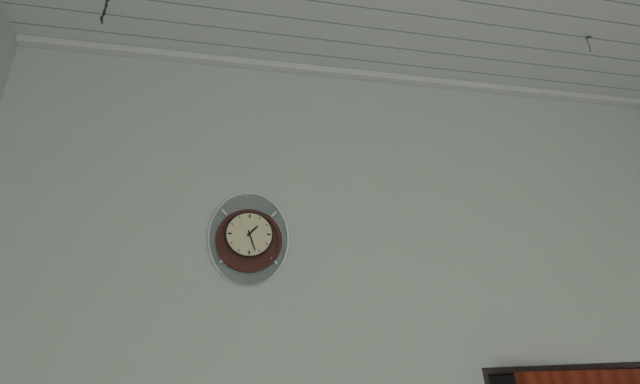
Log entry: {"hour": 1, "minute": 27}
